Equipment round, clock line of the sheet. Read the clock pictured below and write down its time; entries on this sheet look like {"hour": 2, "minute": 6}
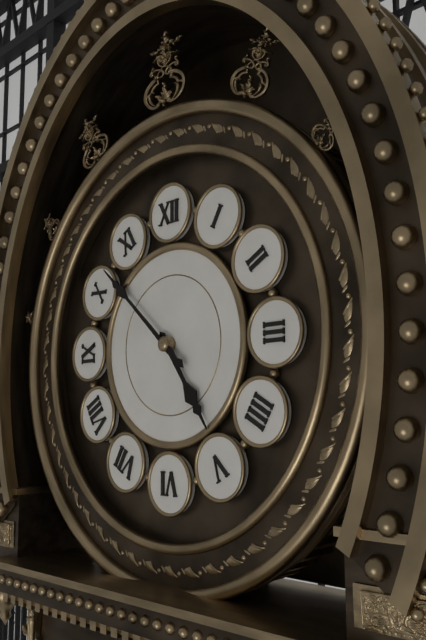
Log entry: {"hour": 4, "minute": 52}
